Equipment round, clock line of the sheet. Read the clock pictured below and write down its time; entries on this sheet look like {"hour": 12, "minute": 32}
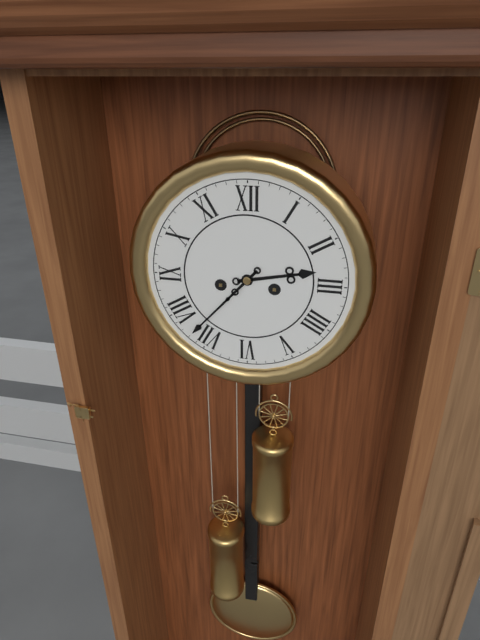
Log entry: {"hour": 2, "minute": 37}
